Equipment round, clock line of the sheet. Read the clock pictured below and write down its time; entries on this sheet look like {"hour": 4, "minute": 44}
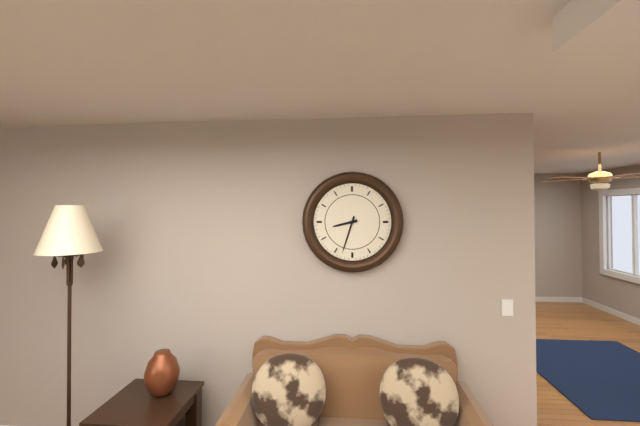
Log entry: {"hour": 8, "minute": 33}
